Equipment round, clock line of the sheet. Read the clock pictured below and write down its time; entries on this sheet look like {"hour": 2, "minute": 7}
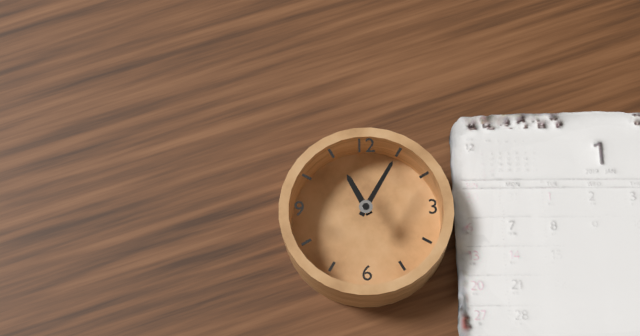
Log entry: {"hour": 11, "minute": 5}
